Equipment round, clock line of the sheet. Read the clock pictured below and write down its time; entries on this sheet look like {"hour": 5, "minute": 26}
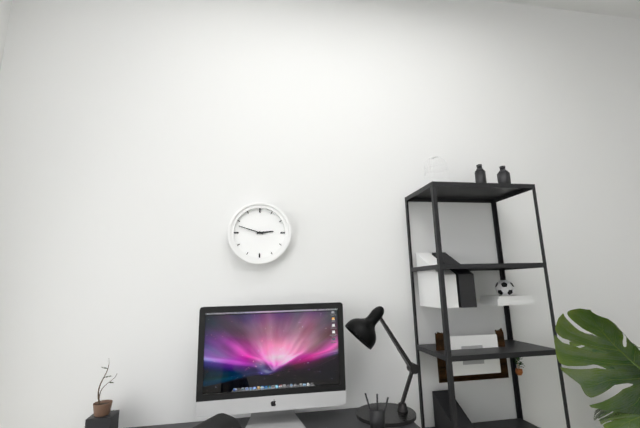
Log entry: {"hour": 2, "minute": 48}
